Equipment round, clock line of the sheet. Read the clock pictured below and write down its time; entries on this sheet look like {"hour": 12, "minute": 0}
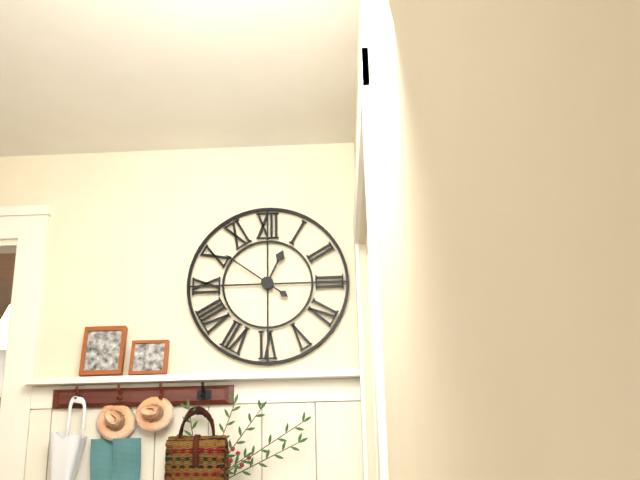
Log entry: {"hour": 12, "minute": 51}
